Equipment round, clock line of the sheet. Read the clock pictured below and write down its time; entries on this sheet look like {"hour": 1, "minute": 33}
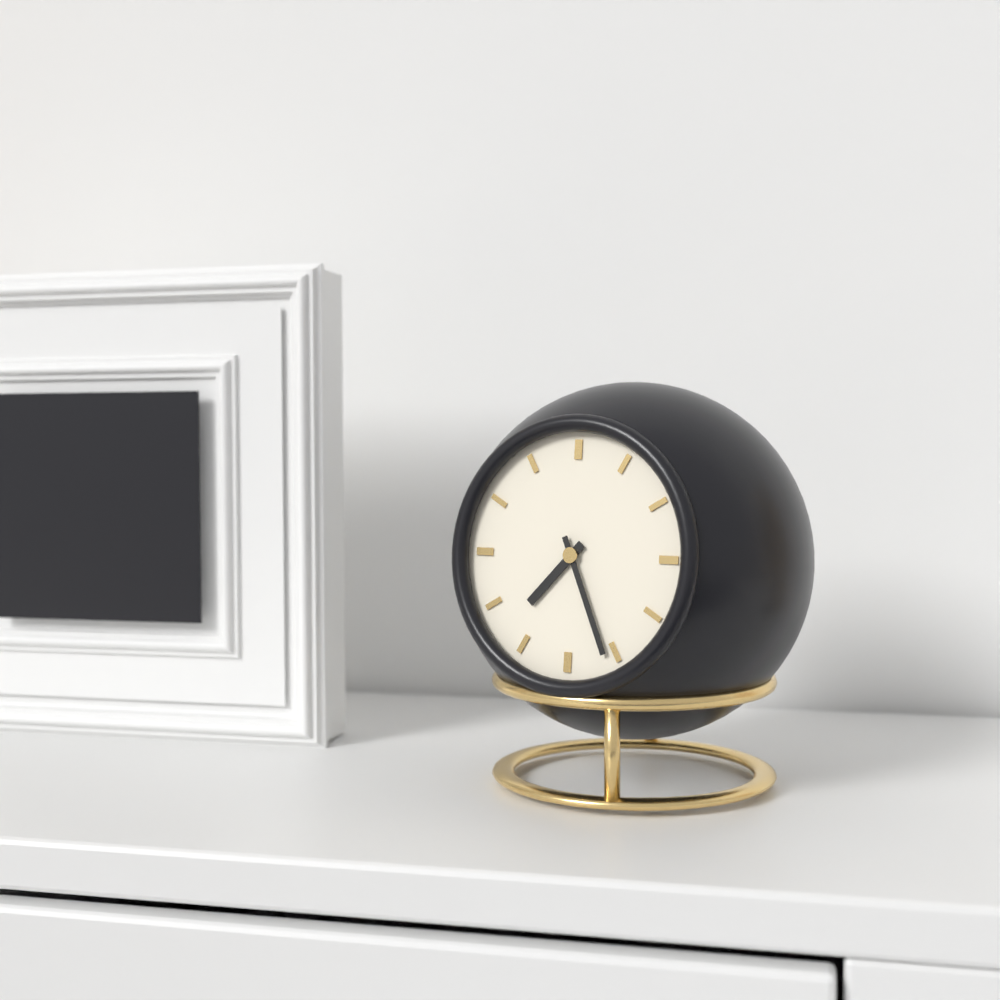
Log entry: {"hour": 7, "minute": 26}
